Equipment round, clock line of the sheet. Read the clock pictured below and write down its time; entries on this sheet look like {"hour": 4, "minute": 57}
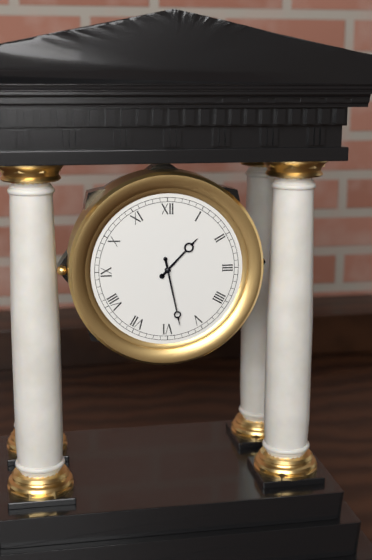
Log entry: {"hour": 1, "minute": 28}
